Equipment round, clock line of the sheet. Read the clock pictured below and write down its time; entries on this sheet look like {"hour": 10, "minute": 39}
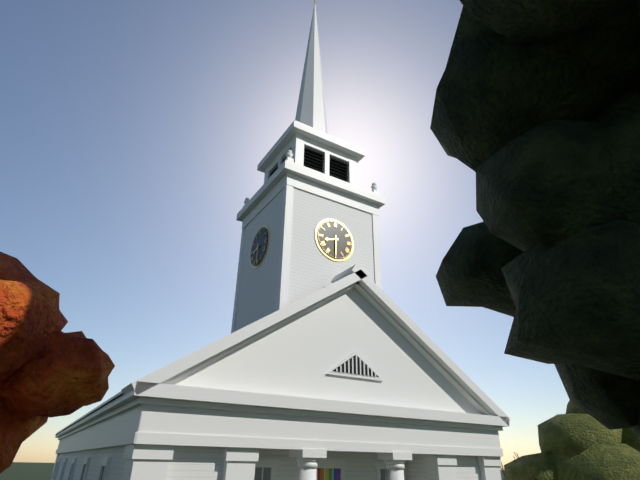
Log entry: {"hour": 8, "minute": 30}
